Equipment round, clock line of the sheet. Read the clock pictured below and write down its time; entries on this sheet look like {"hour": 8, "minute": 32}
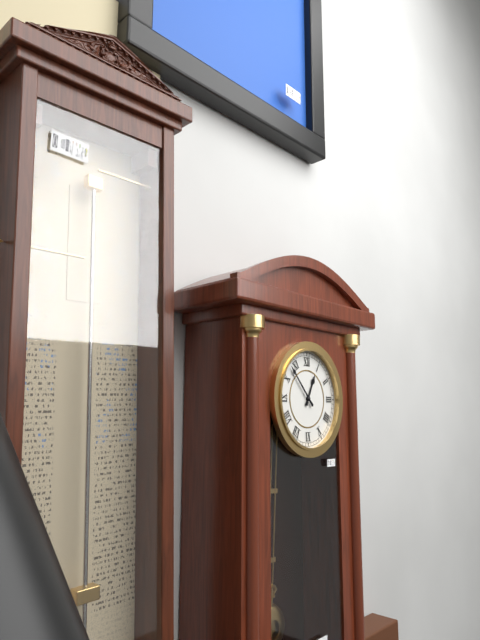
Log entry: {"hour": 12, "minute": 53}
